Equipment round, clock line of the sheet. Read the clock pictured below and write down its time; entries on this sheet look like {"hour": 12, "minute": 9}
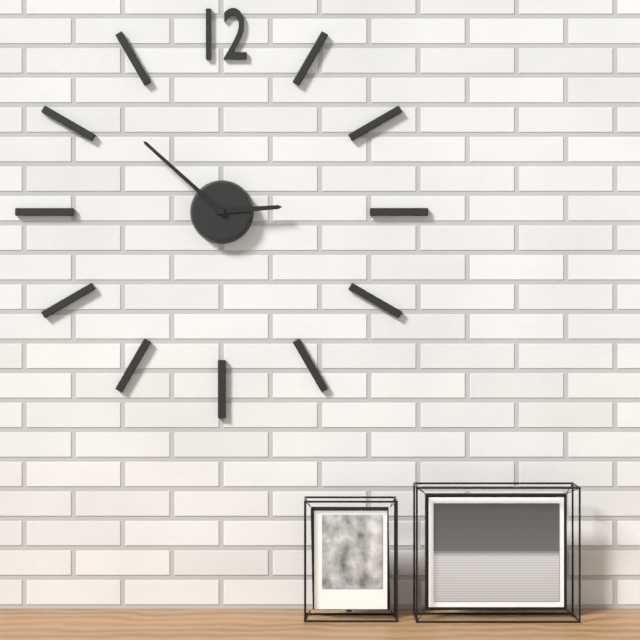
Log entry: {"hour": 2, "minute": 52}
